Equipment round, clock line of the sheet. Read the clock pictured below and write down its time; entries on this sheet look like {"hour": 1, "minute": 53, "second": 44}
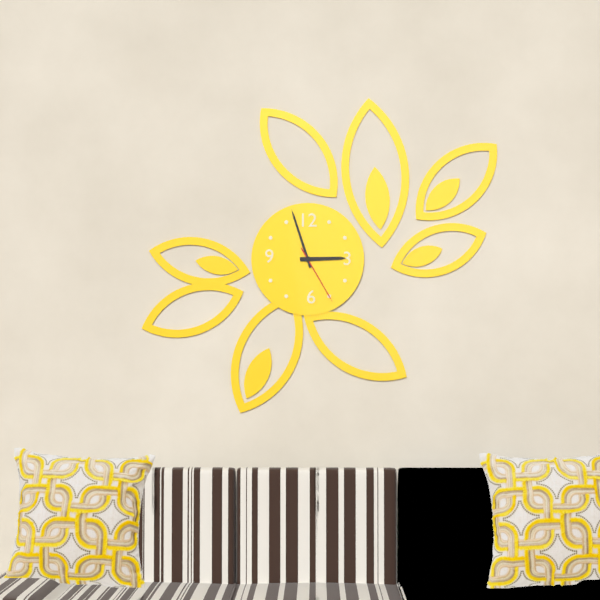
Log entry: {"hour": 2, "minute": 57, "second": 25}
